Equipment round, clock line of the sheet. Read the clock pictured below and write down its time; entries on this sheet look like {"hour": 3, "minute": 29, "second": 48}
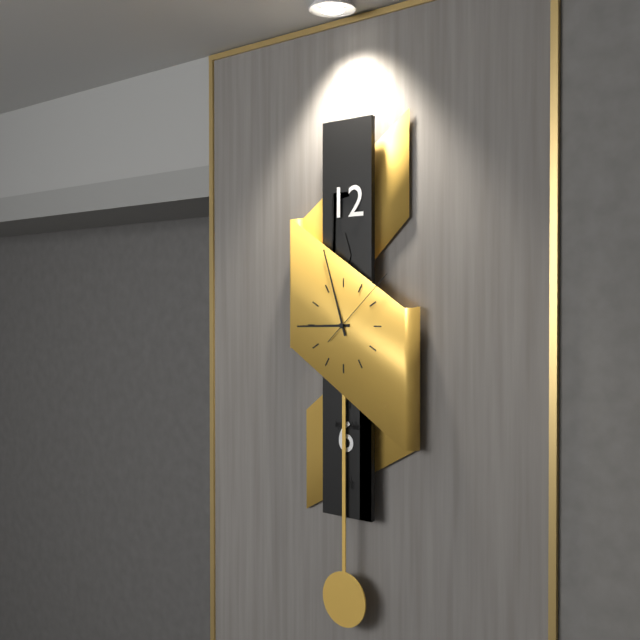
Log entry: {"hour": 8, "minute": 57, "second": 8}
